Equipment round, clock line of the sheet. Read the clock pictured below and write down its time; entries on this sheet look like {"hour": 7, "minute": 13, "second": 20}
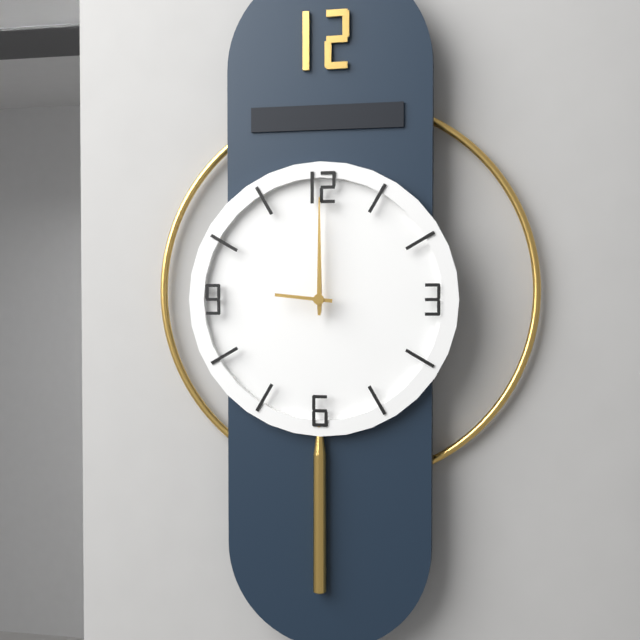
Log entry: {"hour": 12, "minute": 0, "second": 46}
